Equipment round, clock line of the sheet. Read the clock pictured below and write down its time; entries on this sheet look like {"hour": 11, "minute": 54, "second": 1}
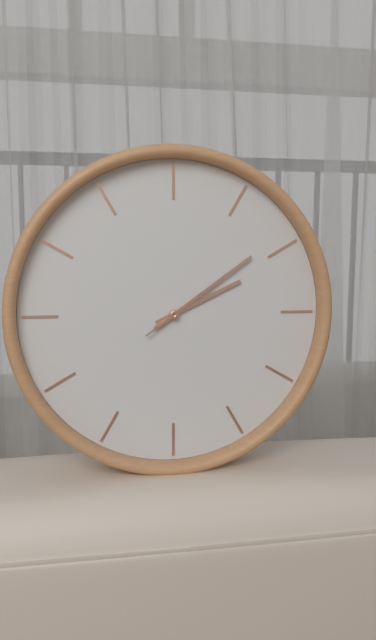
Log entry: {"hour": 2, "minute": 9, "second": 9}
